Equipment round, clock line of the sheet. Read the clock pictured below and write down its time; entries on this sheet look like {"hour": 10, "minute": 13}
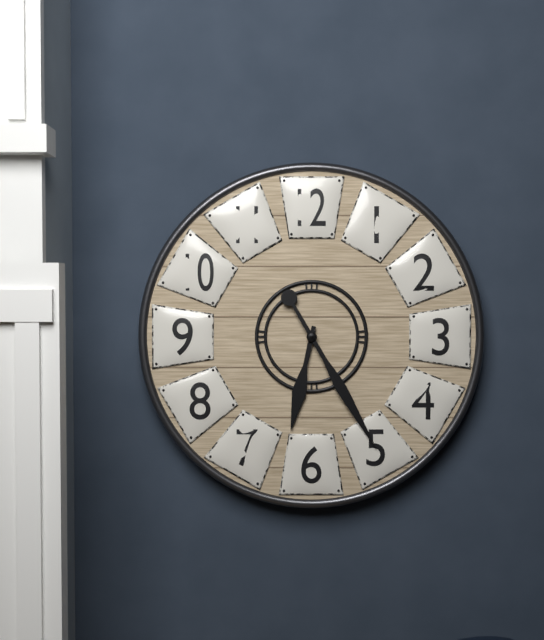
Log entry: {"hour": 6, "minute": 25}
